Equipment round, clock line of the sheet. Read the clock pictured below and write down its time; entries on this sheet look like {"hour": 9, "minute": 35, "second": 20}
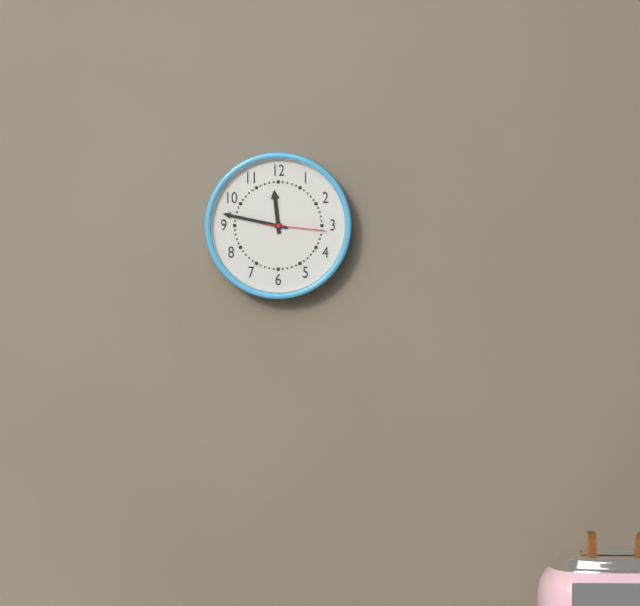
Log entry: {"hour": 11, "minute": 47, "second": 16}
